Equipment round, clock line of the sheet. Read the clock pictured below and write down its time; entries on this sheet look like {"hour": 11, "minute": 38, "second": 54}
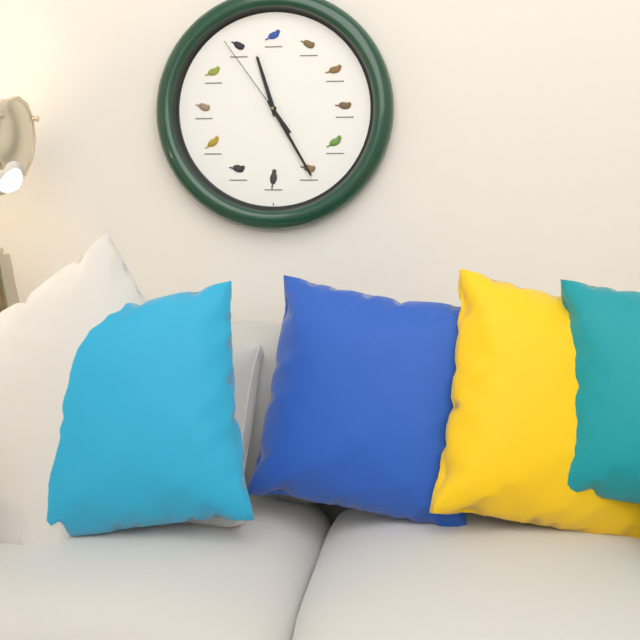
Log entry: {"hour": 11, "minute": 25, "second": 54}
